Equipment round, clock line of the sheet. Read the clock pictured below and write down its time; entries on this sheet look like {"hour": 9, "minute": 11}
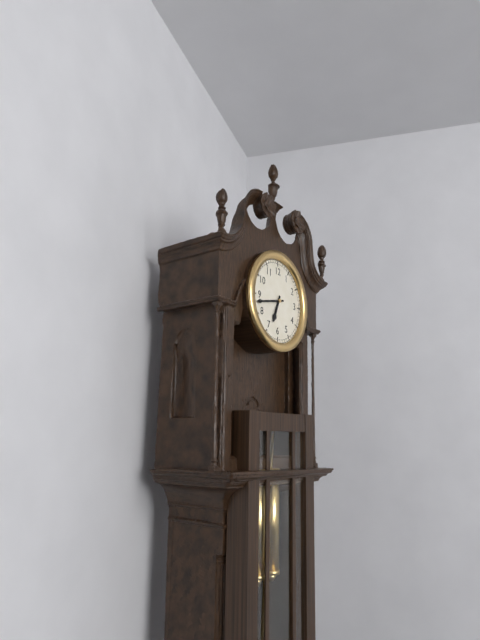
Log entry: {"hour": 6, "minute": 43}
